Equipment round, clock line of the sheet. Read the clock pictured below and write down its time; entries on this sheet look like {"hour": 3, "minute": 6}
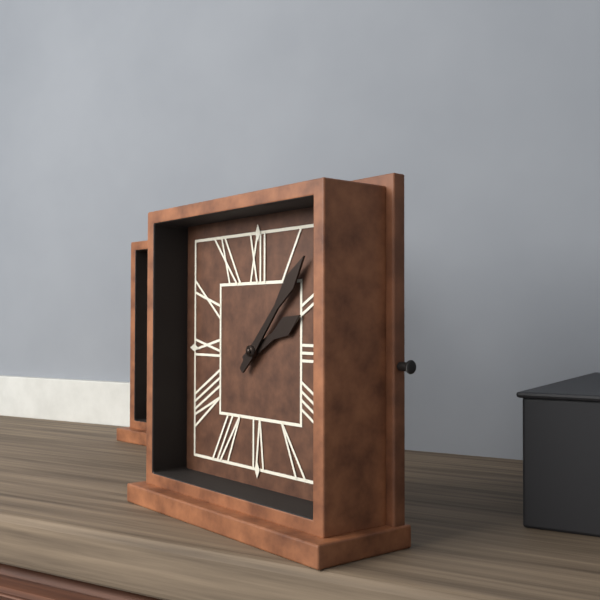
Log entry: {"hour": 2, "minute": 7}
